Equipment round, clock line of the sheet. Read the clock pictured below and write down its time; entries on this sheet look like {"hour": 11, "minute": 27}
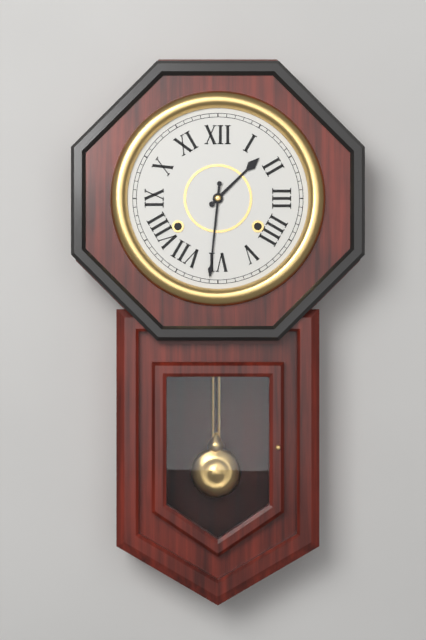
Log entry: {"hour": 1, "minute": 31}
